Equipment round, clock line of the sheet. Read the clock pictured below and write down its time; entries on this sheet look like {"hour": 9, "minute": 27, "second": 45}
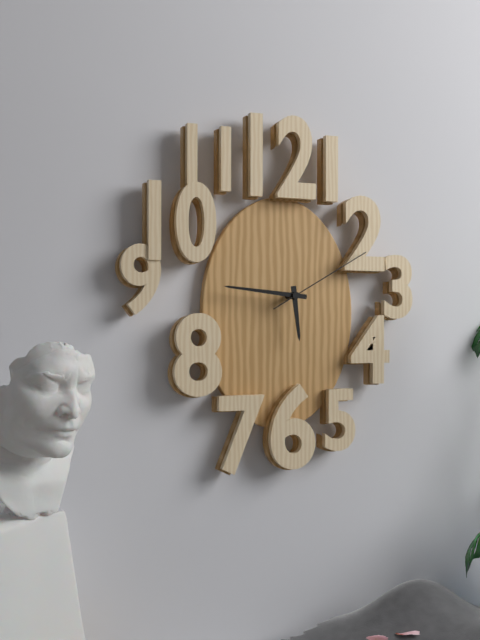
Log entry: {"hour": 5, "minute": 46, "second": 10}
